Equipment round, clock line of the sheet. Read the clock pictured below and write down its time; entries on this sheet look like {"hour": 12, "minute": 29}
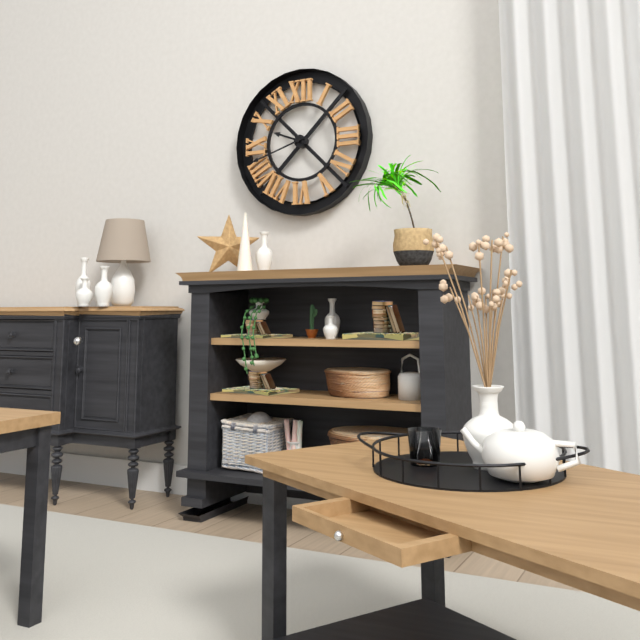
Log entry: {"hour": 9, "minute": 42}
